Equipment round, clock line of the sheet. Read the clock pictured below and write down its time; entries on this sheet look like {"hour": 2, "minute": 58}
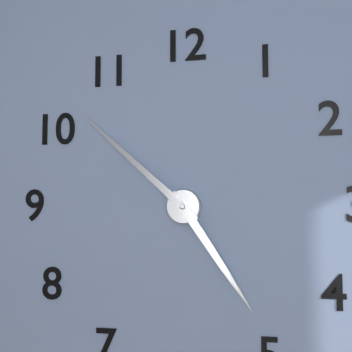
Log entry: {"hour": 4, "minute": 52}
